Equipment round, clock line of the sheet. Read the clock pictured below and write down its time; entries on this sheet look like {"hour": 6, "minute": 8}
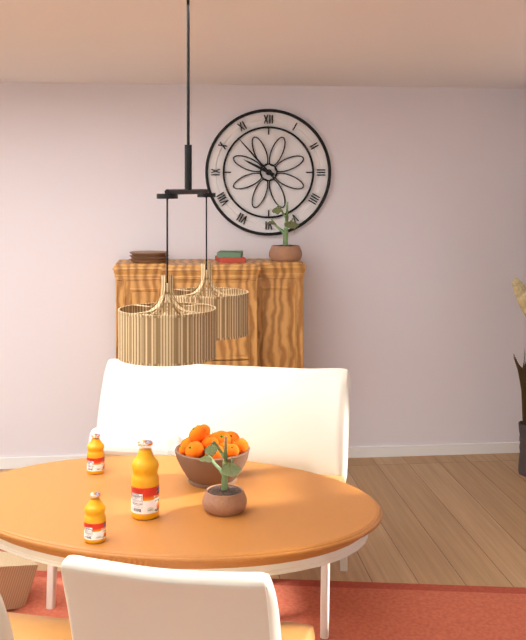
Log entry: {"hour": 9, "minute": 53}
